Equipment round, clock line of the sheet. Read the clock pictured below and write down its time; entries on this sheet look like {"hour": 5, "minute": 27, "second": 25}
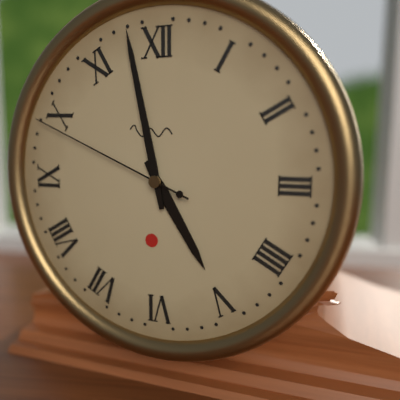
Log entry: {"hour": 4, "minute": 58, "second": 49}
